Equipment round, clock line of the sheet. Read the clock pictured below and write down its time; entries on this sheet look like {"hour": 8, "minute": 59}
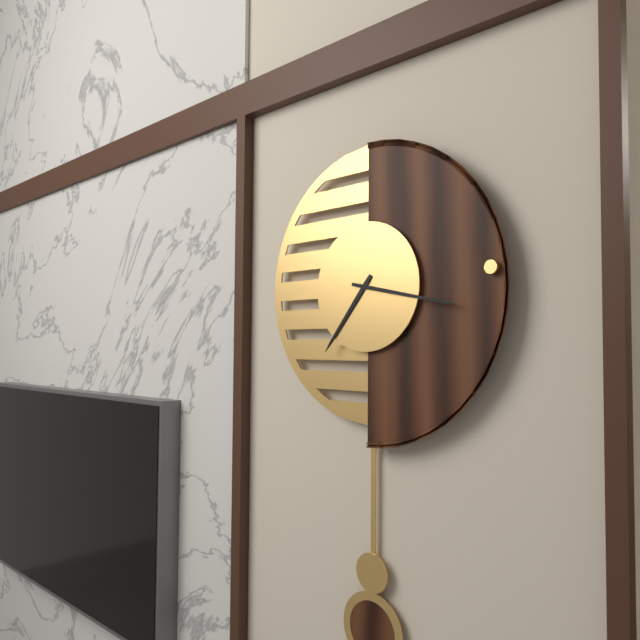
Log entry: {"hour": 7, "minute": 17}
